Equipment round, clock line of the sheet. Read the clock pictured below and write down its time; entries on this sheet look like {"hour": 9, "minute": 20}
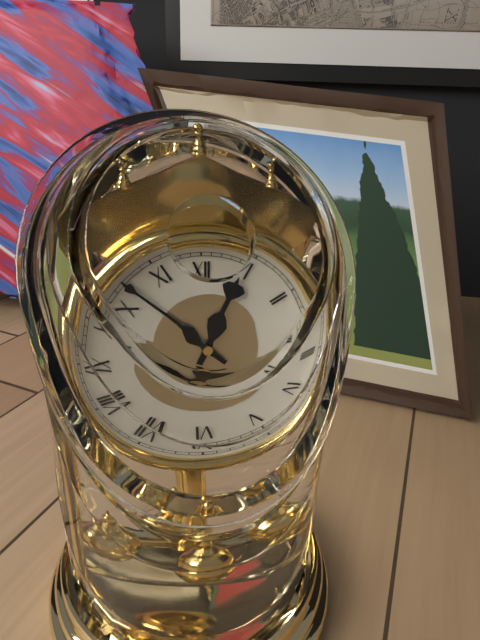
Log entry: {"hour": 12, "minute": 52}
